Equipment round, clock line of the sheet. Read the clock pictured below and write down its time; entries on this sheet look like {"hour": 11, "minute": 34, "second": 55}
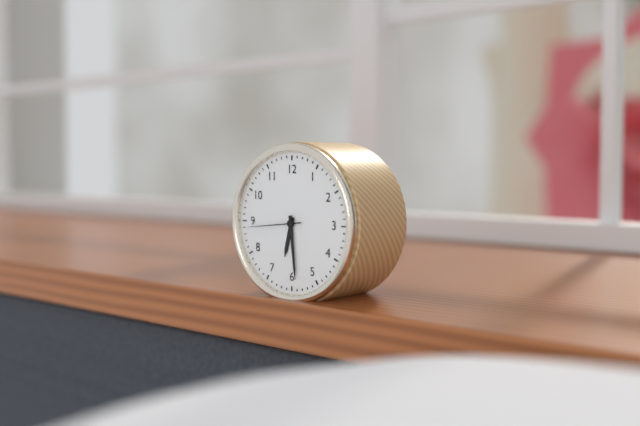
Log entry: {"hour": 6, "minute": 29, "second": 44}
